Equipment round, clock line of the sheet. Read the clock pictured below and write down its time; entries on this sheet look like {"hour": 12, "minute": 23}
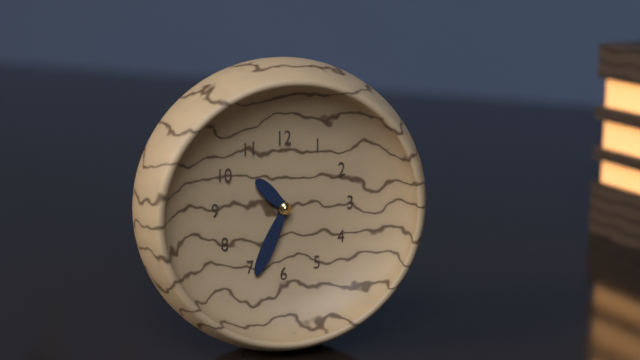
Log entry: {"hour": 10, "minute": 34}
